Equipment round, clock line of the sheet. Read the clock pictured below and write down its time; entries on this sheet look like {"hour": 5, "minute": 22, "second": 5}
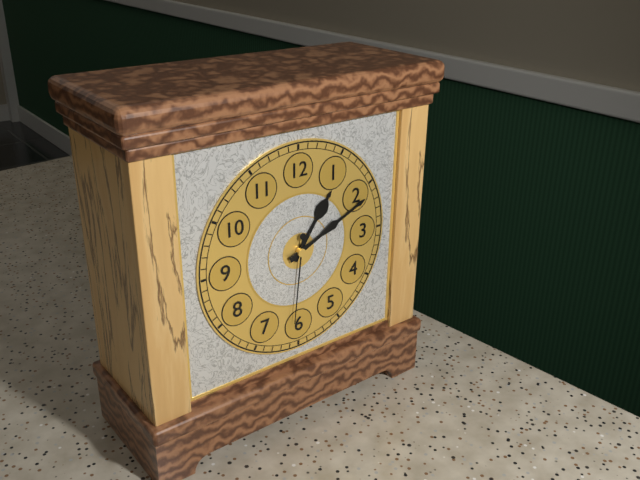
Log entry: {"hour": 1, "minute": 11, "second": 31}
